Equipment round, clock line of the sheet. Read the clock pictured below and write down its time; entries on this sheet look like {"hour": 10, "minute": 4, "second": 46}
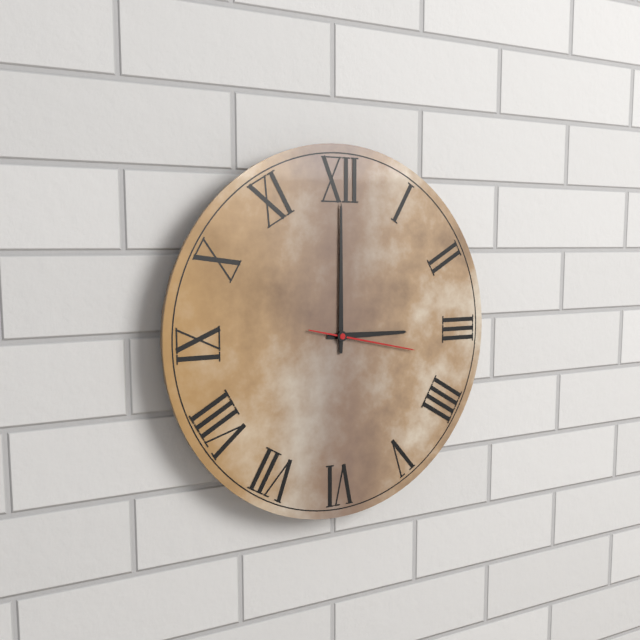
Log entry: {"hour": 3, "minute": 0, "second": 17}
